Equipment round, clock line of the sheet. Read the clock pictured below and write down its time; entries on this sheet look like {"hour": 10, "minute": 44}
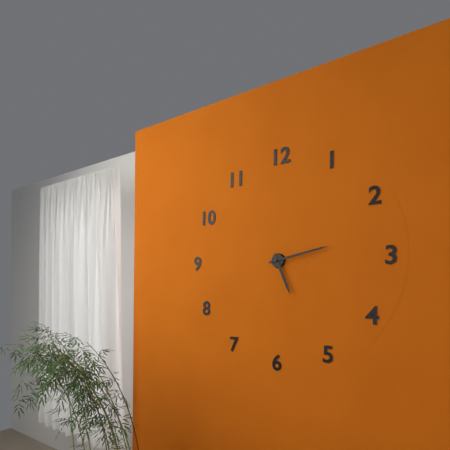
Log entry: {"hour": 5, "minute": 13}
